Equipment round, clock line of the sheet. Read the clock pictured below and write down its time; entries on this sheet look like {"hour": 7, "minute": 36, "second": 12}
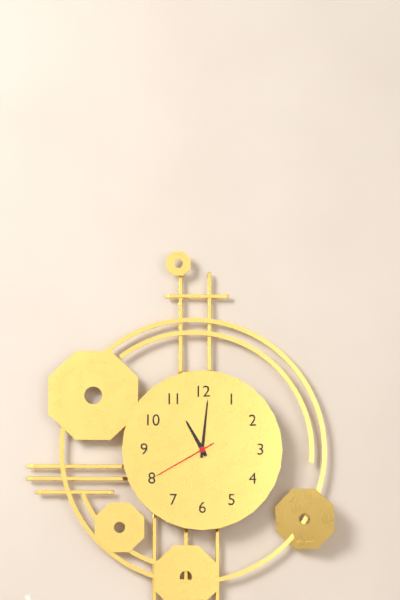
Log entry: {"hour": 11, "minute": 1, "second": 40}
